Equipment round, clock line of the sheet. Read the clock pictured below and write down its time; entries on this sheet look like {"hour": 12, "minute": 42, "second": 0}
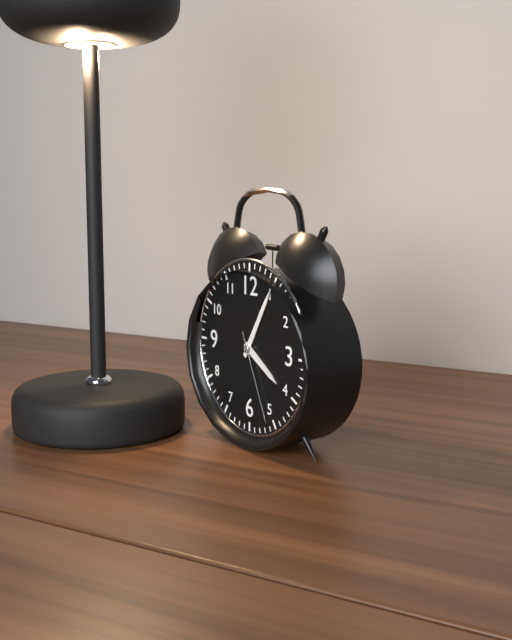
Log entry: {"hour": 4, "minute": 5, "second": 26}
